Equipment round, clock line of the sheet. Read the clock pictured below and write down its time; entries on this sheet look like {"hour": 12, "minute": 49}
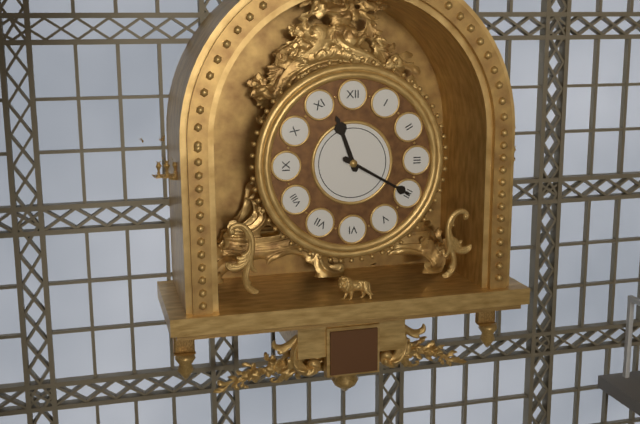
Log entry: {"hour": 11, "minute": 20}
